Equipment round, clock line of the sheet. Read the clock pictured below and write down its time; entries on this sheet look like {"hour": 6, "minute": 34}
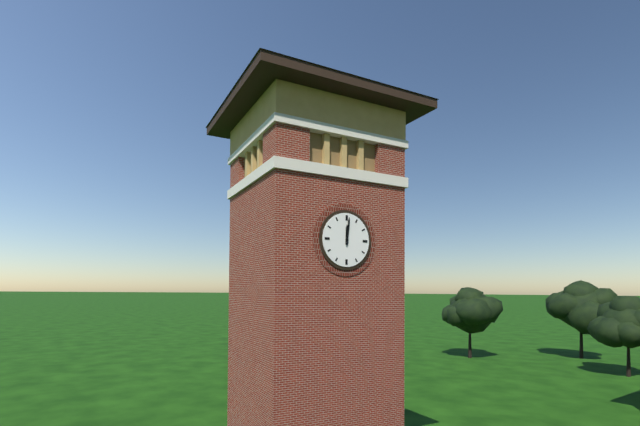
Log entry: {"hour": 12, "minute": 1}
